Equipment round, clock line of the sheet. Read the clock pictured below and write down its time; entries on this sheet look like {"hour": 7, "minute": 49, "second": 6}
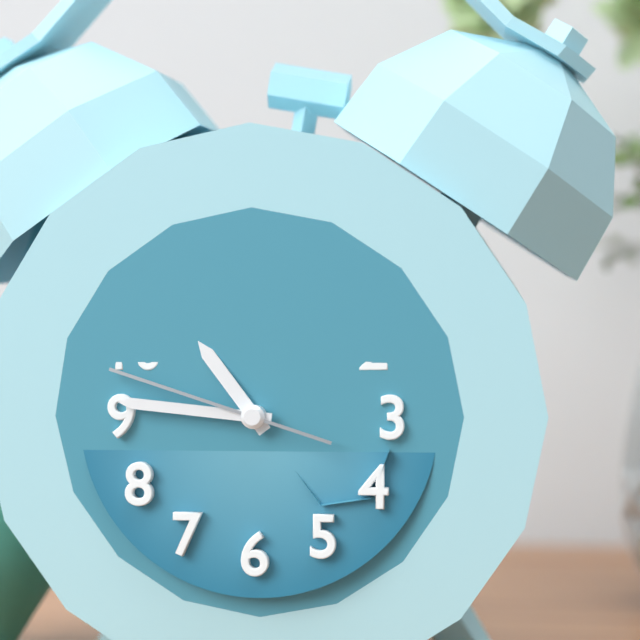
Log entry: {"hour": 10, "minute": 46, "second": 48}
